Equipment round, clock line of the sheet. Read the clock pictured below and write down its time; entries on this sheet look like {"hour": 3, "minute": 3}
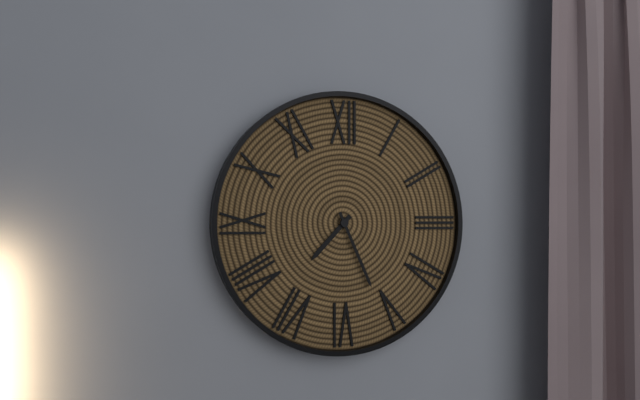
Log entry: {"hour": 7, "minute": 26}
